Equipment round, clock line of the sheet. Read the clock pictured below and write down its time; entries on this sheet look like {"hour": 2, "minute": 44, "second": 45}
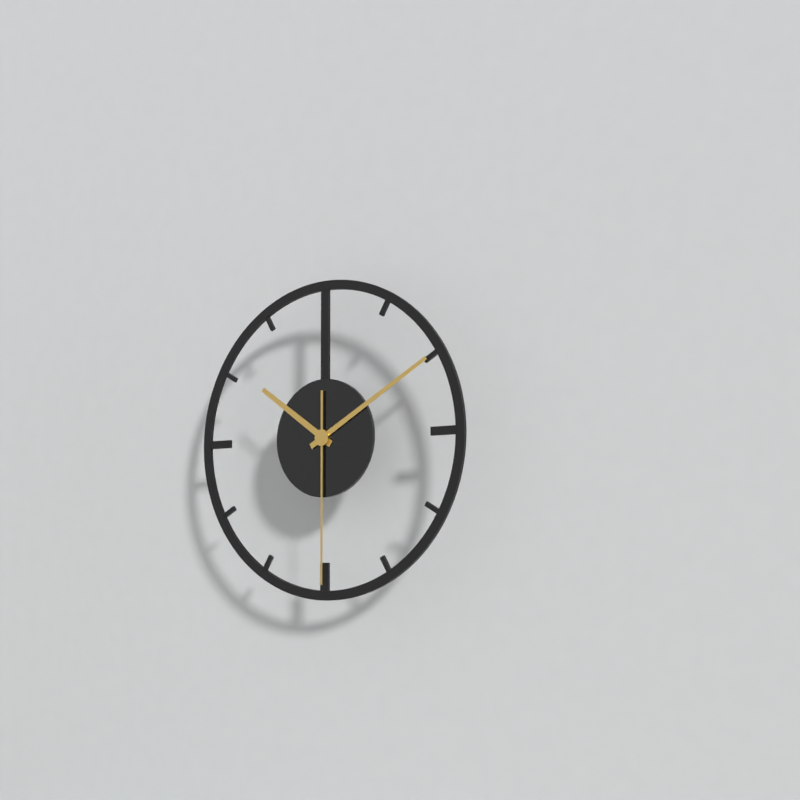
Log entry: {"hour": 10, "minute": 10, "second": 30}
